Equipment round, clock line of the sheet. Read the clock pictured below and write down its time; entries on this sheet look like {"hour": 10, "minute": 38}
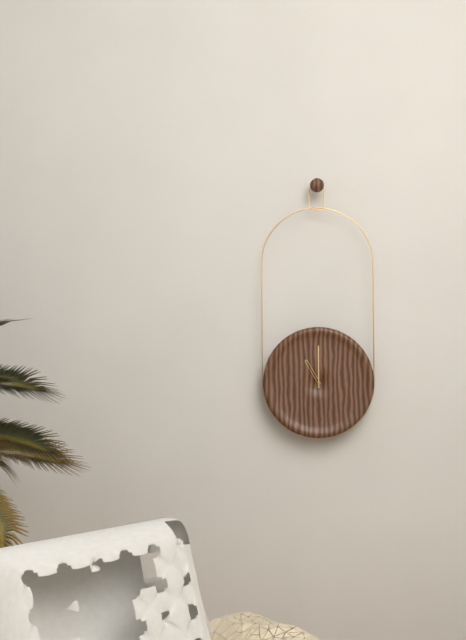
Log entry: {"hour": 11, "minute": 0}
